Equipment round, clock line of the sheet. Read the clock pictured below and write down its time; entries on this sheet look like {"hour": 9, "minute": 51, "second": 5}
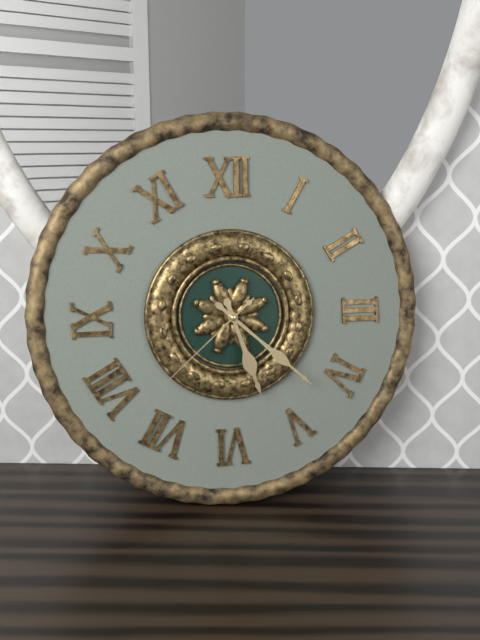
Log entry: {"hour": 5, "minute": 22, "second": 38}
